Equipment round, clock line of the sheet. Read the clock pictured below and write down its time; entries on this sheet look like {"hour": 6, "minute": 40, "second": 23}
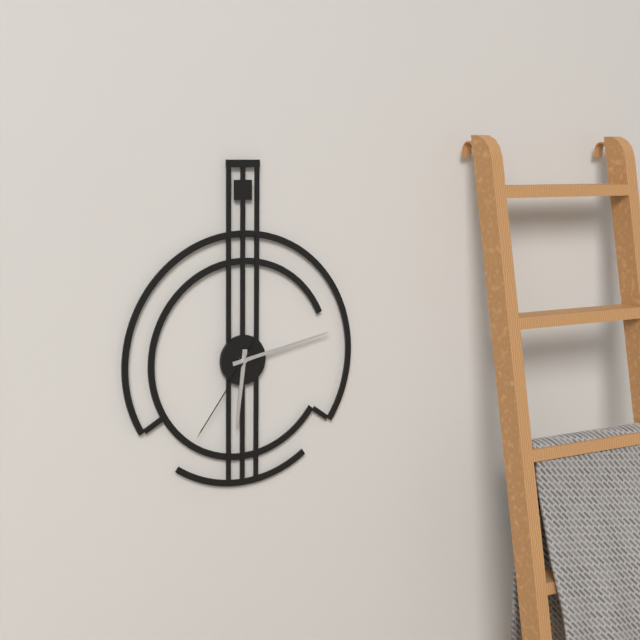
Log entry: {"hour": 6, "minute": 13, "second": 36}
